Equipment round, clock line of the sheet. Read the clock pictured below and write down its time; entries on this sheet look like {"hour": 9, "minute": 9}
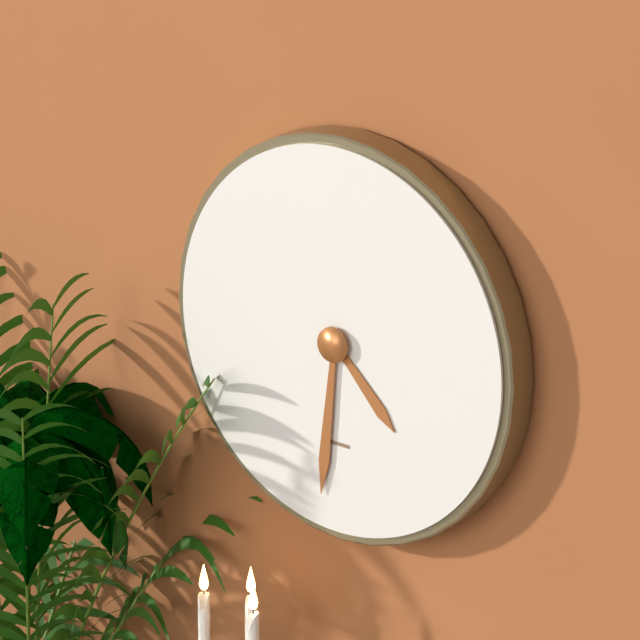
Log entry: {"hour": 4, "minute": 31}
